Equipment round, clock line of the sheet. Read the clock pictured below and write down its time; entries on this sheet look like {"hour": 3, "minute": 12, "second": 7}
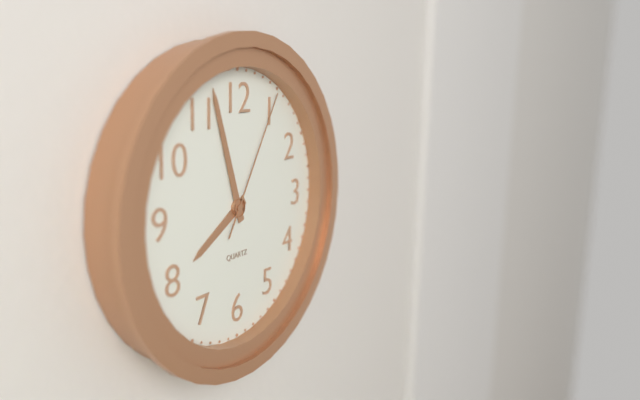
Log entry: {"hour": 7, "minute": 57, "second": 5}
